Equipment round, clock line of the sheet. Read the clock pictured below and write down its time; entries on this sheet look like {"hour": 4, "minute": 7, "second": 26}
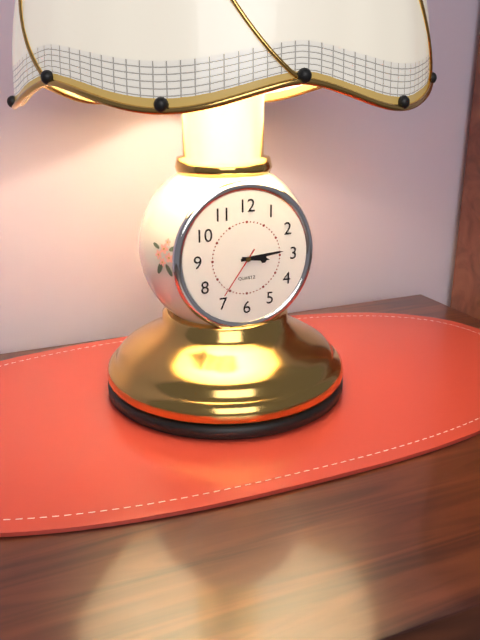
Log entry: {"hour": 3, "minute": 14, "second": 36}
